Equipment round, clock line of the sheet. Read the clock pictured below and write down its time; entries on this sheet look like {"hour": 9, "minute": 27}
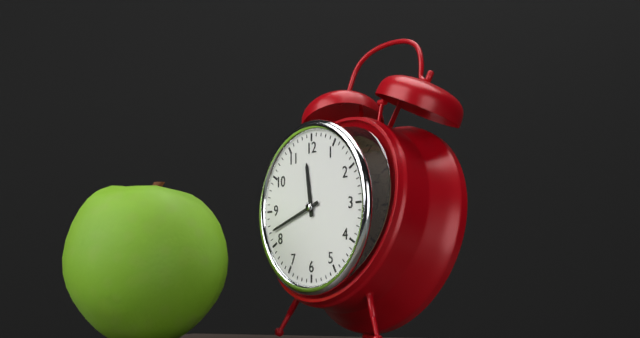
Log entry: {"hour": 11, "minute": 42}
